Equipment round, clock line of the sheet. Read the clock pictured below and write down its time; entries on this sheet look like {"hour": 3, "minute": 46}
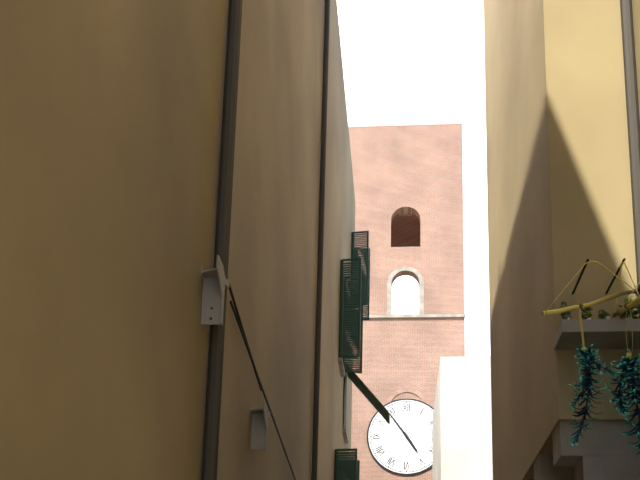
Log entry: {"hour": 4, "minute": 54}
